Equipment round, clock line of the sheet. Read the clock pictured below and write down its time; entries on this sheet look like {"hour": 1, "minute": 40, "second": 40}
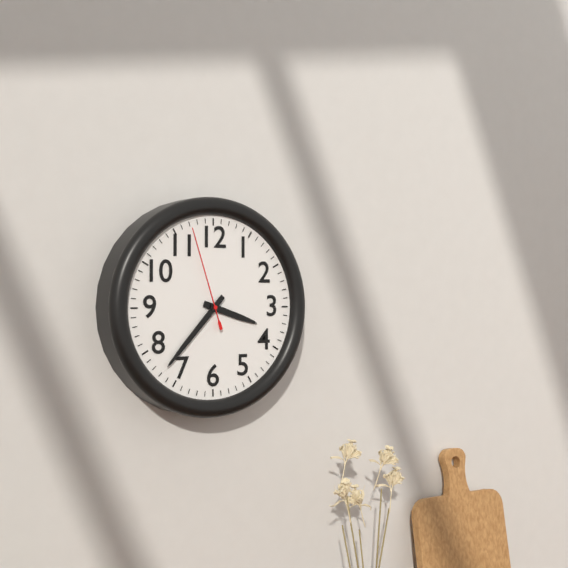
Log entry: {"hour": 3, "minute": 37, "second": 57}
